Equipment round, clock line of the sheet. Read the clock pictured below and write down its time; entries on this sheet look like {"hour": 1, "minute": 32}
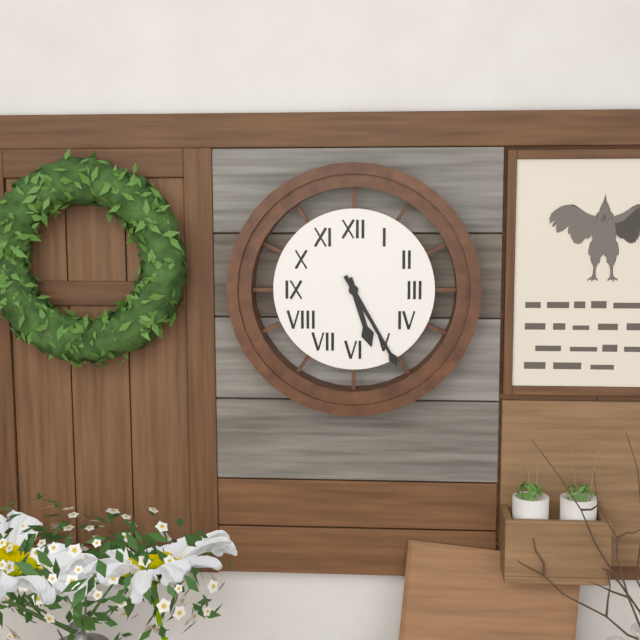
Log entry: {"hour": 5, "minute": 25}
